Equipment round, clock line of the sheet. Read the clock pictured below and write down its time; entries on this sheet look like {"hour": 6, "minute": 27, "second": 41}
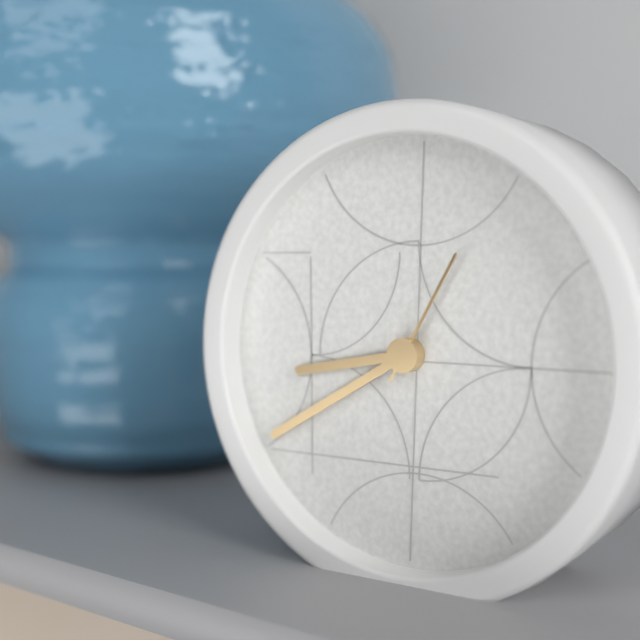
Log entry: {"hour": 8, "minute": 40, "second": 5}
